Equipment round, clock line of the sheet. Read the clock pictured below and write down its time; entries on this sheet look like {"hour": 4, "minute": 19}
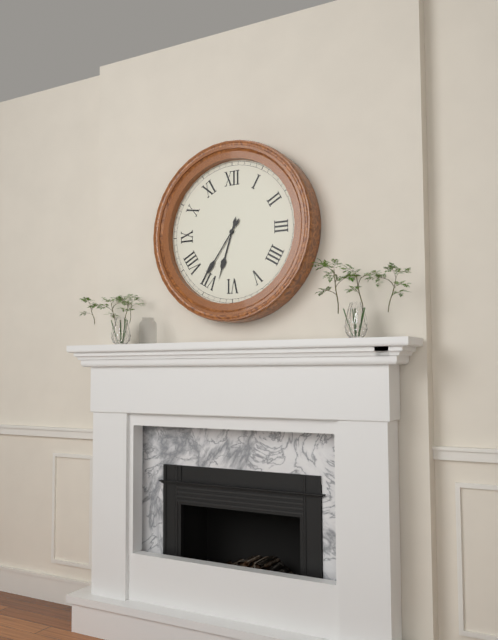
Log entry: {"hour": 6, "minute": 36}
